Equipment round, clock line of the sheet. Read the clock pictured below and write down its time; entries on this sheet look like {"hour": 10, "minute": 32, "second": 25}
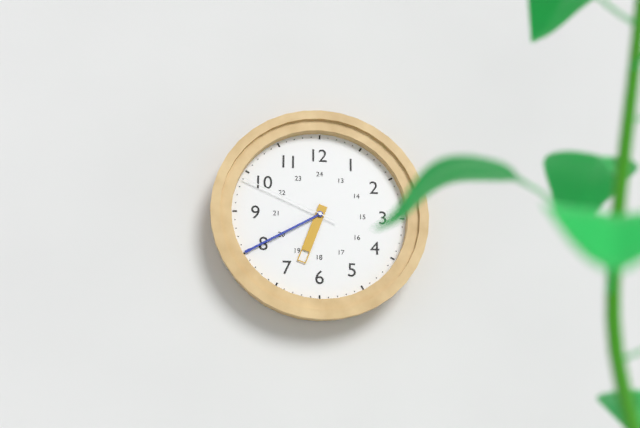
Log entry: {"hour": 6, "minute": 40, "second": 49}
